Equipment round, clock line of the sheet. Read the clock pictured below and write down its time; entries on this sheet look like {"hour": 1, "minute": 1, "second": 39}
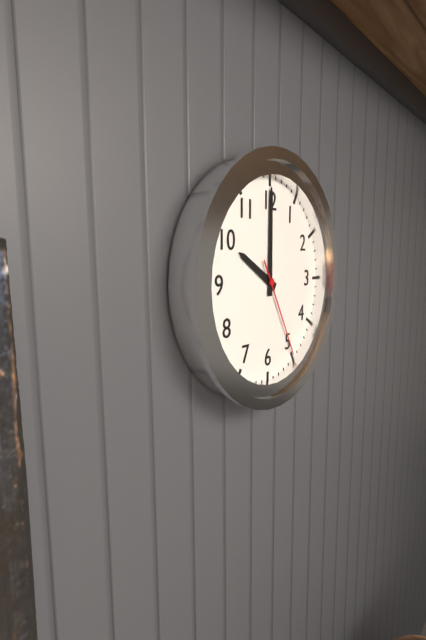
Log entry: {"hour": 10, "minute": 0, "second": 25}
